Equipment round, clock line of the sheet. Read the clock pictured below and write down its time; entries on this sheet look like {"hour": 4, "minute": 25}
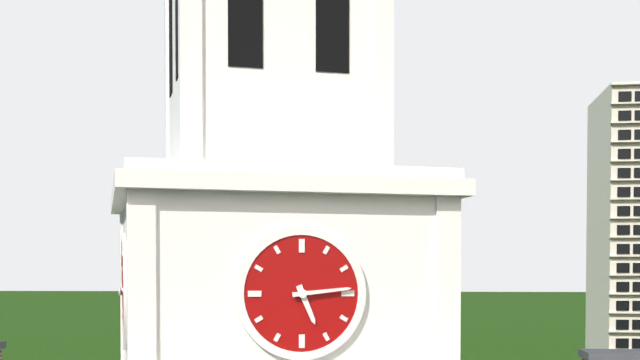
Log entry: {"hour": 5, "minute": 14}
